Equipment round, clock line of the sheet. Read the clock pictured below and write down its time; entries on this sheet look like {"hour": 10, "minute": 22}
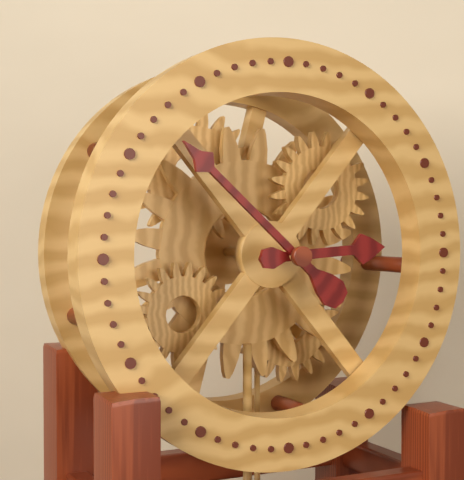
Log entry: {"hour": 2, "minute": 52}
